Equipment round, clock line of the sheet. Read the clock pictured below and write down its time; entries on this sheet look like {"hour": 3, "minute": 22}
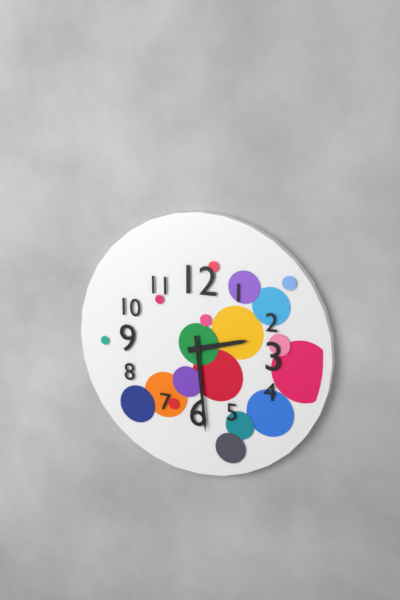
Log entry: {"hour": 2, "minute": 29}
